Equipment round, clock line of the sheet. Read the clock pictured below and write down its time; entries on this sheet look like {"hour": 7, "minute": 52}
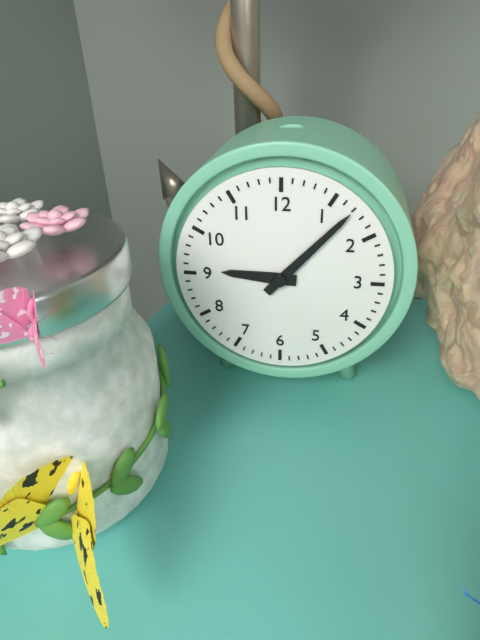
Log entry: {"hour": 9, "minute": 7}
